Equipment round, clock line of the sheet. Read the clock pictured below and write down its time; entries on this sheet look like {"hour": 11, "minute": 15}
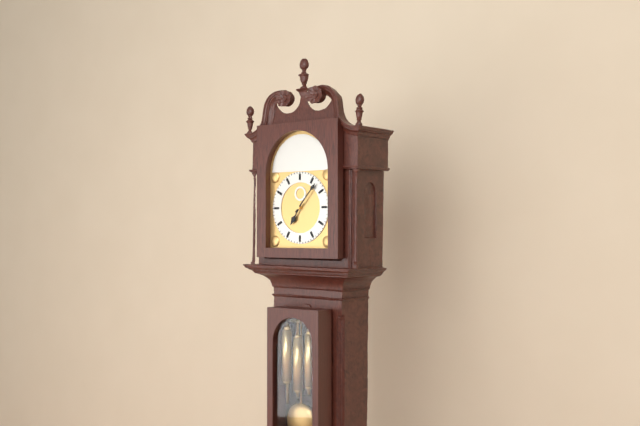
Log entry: {"hour": 7, "minute": 7}
